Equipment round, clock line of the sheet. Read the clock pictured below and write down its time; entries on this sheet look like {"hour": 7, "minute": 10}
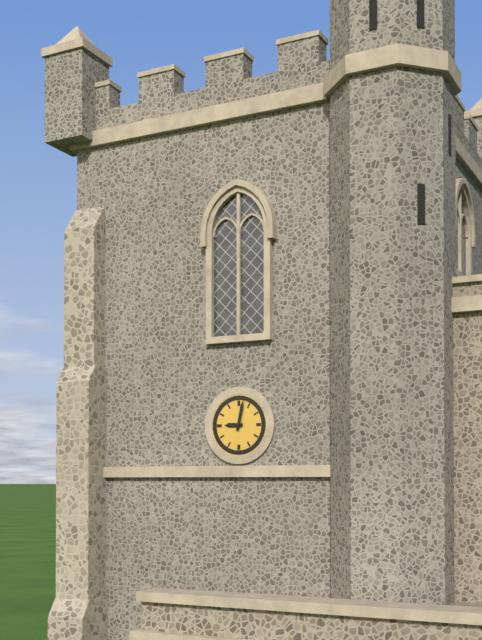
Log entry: {"hour": 9, "minute": 2}
